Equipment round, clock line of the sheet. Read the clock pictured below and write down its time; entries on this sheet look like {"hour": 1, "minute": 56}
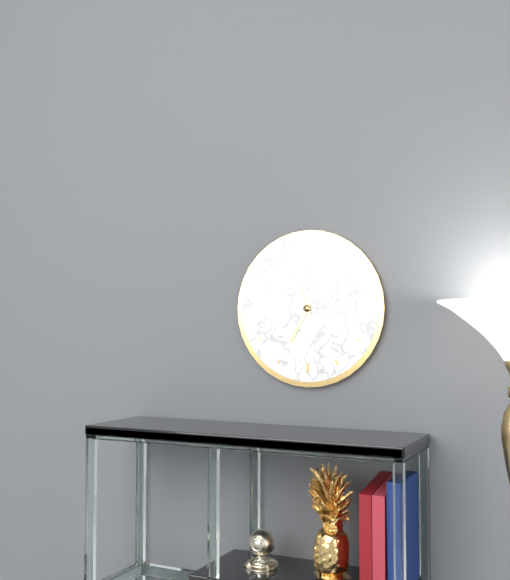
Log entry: {"hour": 6, "minute": 56}
